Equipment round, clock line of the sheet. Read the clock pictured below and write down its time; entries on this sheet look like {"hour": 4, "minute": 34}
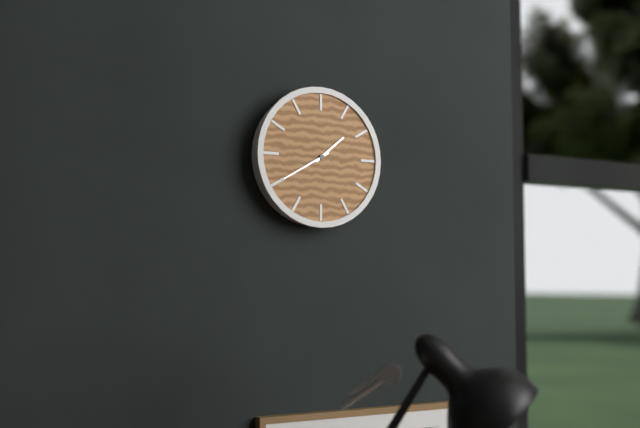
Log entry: {"hour": 1, "minute": 40}
